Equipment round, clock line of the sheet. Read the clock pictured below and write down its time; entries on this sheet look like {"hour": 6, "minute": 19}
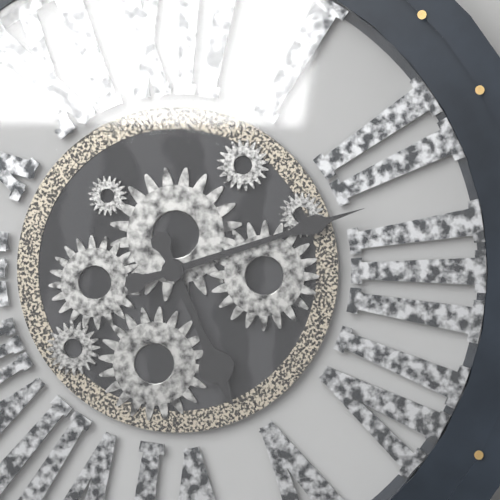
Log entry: {"hour": 5, "minute": 12}
